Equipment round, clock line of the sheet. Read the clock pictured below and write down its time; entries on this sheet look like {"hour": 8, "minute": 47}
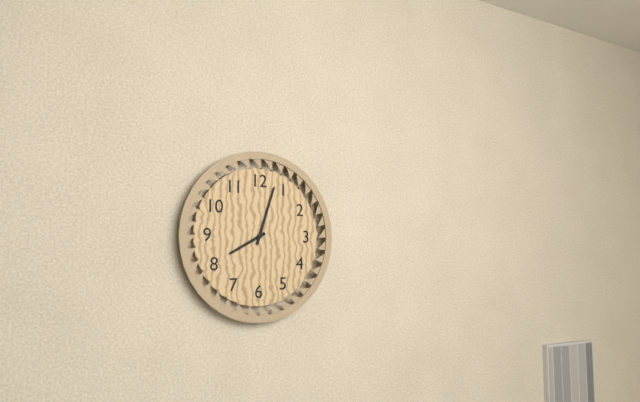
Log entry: {"hour": 8, "minute": 3}
